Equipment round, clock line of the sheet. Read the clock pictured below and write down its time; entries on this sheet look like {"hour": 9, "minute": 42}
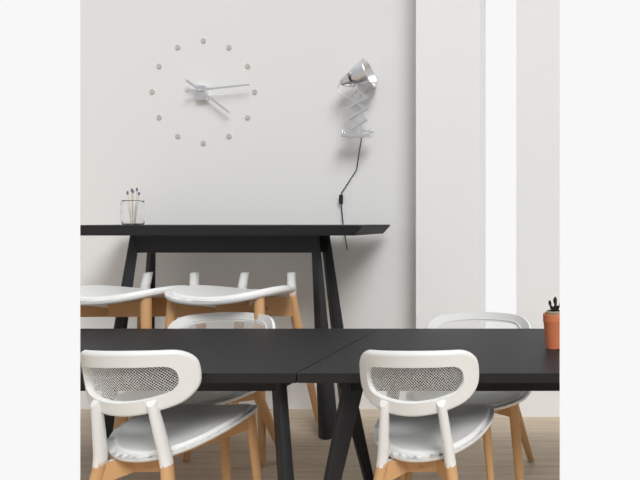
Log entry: {"hour": 4, "minute": 14}
